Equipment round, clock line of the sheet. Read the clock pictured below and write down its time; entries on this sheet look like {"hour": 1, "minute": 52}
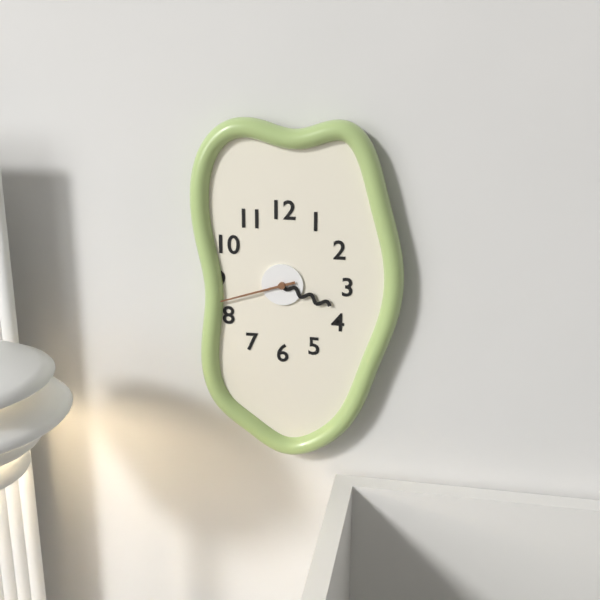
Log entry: {"hour": 3, "minute": 42}
